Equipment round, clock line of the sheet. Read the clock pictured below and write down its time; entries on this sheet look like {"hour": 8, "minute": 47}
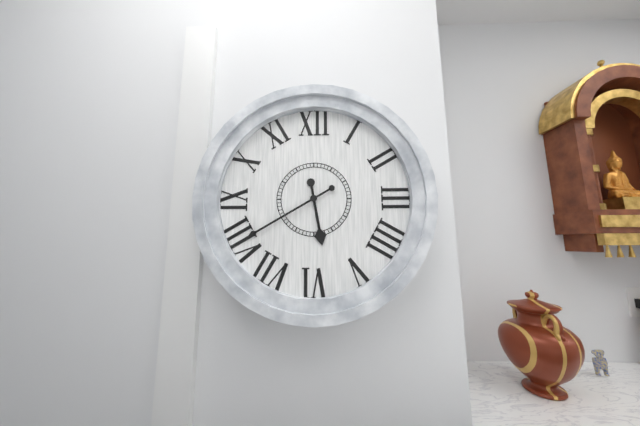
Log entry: {"hour": 5, "minute": 40}
